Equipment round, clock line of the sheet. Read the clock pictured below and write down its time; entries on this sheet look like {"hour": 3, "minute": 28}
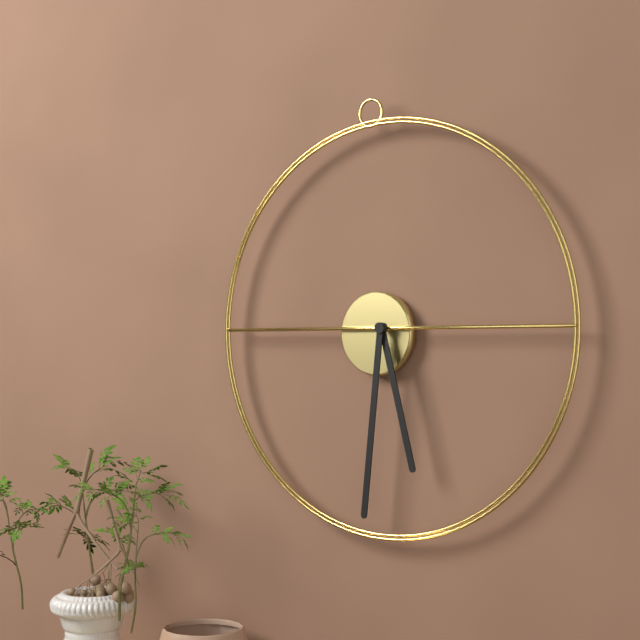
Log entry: {"hour": 5, "minute": 31}
